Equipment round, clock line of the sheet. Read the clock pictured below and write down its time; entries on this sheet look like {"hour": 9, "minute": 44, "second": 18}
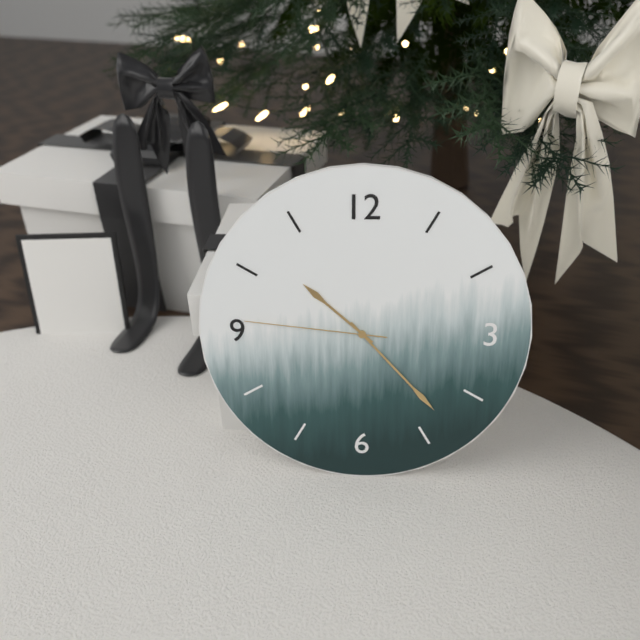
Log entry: {"hour": 10, "minute": 23, "second": 46}
